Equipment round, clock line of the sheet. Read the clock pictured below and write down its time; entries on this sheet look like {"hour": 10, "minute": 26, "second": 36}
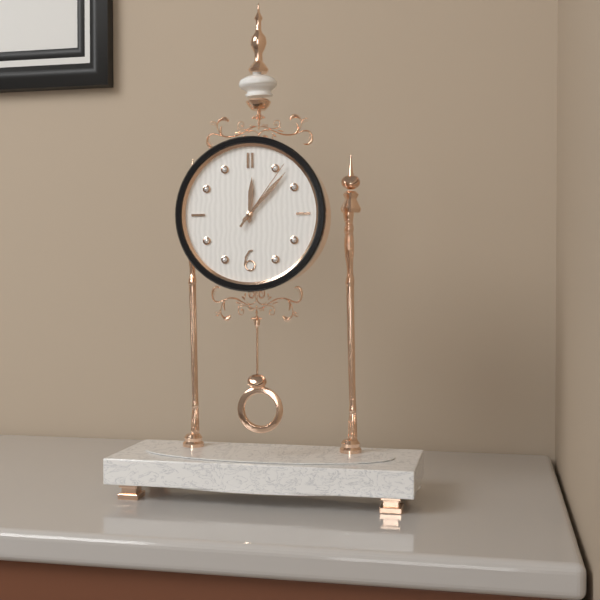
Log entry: {"hour": 12, "minute": 7, "second": 6}
